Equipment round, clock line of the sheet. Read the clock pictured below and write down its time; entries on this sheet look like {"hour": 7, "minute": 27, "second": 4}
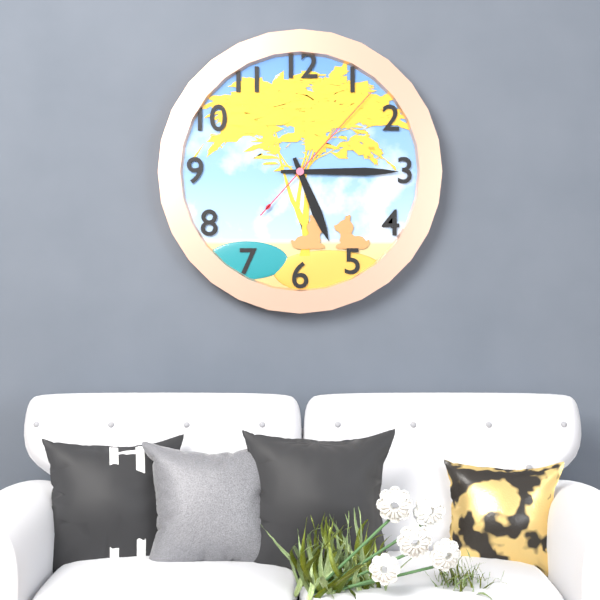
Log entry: {"hour": 5, "minute": 15, "second": 7}
